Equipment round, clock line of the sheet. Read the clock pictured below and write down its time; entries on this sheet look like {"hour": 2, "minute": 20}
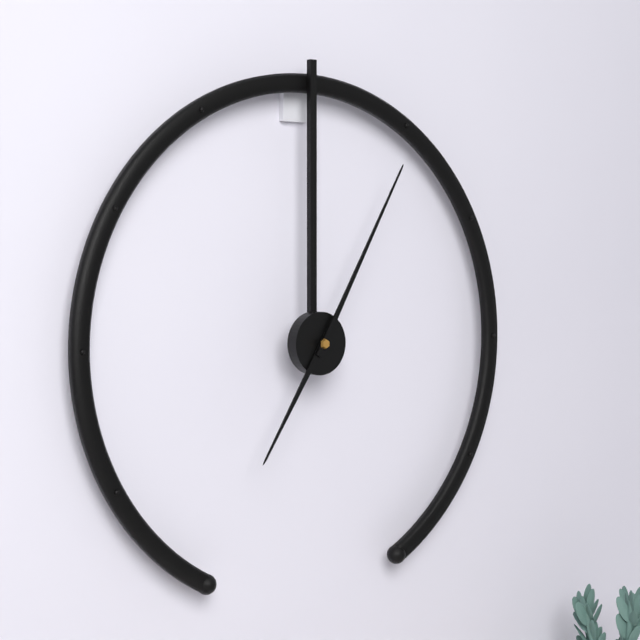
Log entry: {"hour": 7, "minute": 5}
